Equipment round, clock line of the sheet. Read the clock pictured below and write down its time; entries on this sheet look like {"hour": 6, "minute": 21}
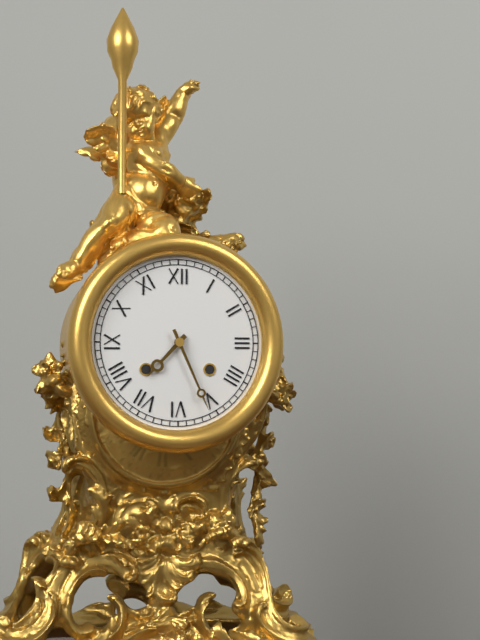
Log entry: {"hour": 7, "minute": 26}
